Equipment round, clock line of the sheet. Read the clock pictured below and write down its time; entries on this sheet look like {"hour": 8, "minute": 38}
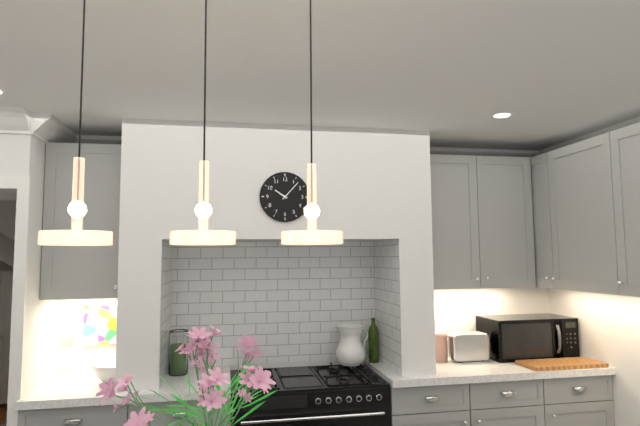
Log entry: {"hour": 10, "minute": 7}
